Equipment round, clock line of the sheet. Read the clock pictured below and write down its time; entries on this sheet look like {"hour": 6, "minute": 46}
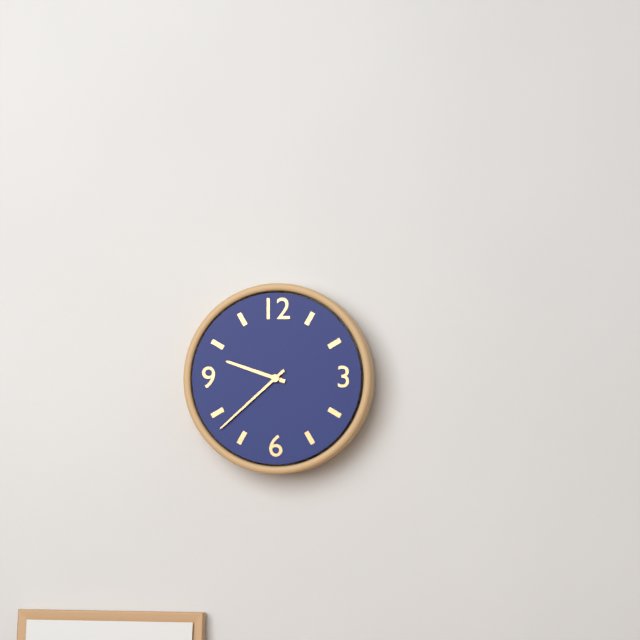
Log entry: {"hour": 9, "minute": 38}
